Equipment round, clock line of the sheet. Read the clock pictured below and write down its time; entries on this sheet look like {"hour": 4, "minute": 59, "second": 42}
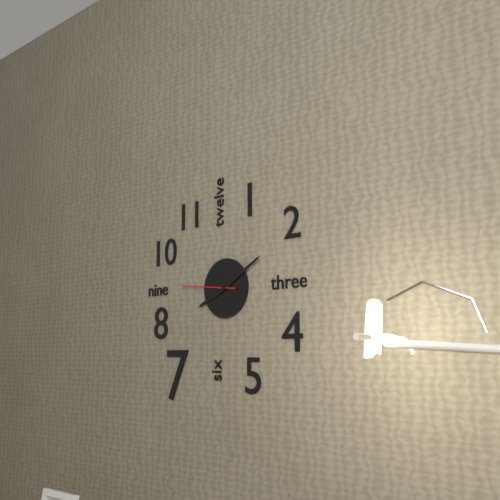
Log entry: {"hour": 8, "minute": 10, "second": 46}
